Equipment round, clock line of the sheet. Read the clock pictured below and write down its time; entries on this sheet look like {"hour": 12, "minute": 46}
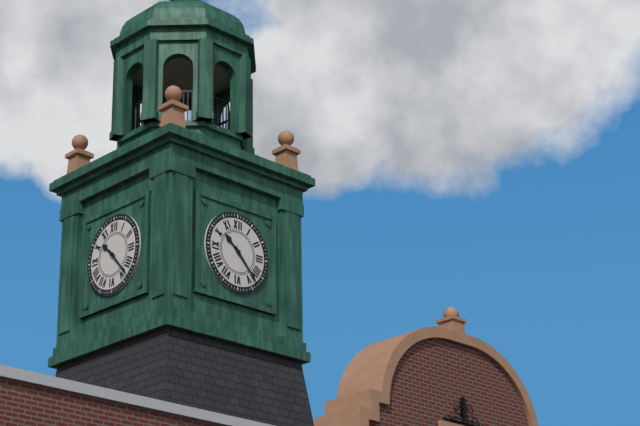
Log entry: {"hour": 10, "minute": 23}
